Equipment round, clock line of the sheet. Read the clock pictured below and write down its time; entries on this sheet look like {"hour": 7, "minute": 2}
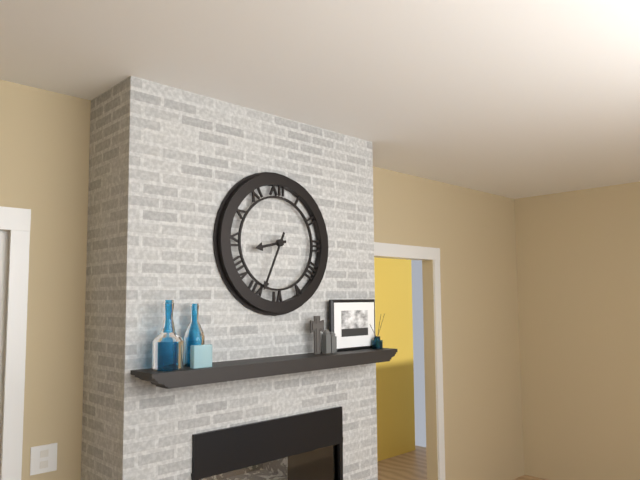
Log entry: {"hour": 8, "minute": 34}
